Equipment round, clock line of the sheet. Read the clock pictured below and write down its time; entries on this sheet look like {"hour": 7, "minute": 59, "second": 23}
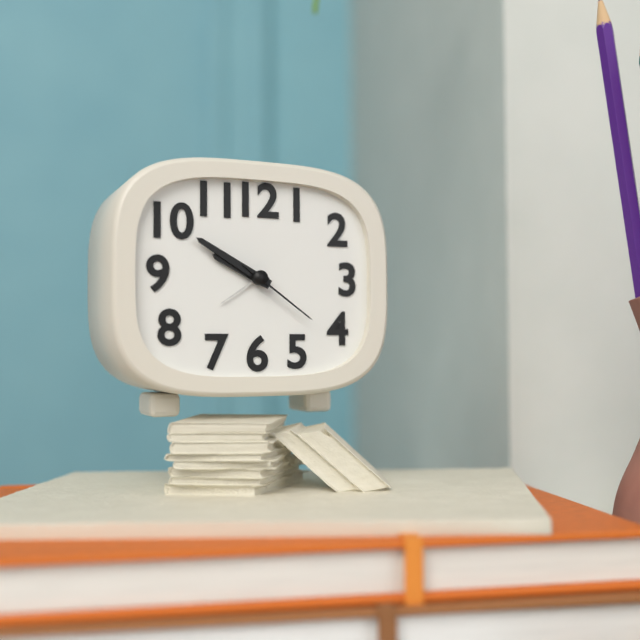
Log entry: {"hour": 9, "minute": 50, "second": 21}
